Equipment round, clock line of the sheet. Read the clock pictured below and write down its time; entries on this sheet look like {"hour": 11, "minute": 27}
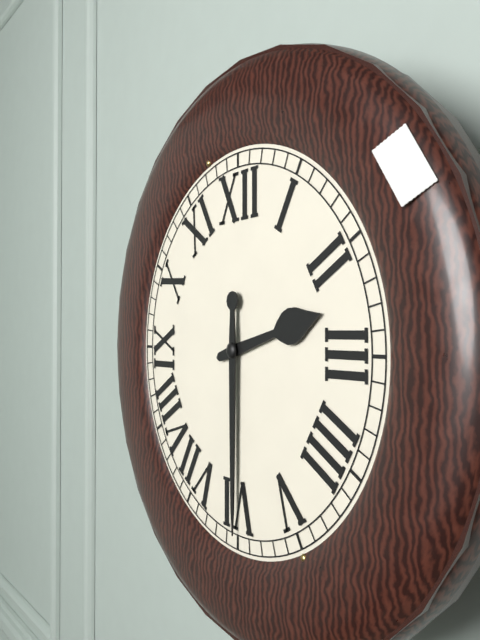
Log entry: {"hour": 2, "minute": 30}
